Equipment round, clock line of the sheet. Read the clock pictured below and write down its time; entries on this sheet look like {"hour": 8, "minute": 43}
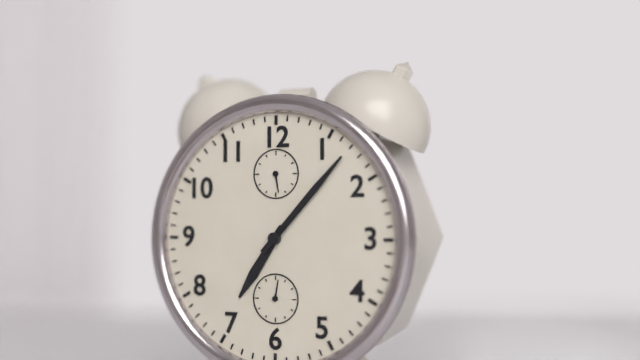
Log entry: {"hour": 7, "minute": 7}
